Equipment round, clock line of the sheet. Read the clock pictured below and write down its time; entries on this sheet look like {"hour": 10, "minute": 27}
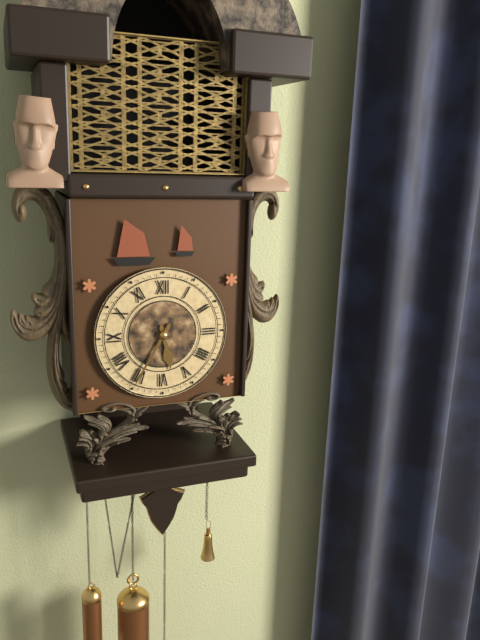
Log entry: {"hour": 5, "minute": 35}
